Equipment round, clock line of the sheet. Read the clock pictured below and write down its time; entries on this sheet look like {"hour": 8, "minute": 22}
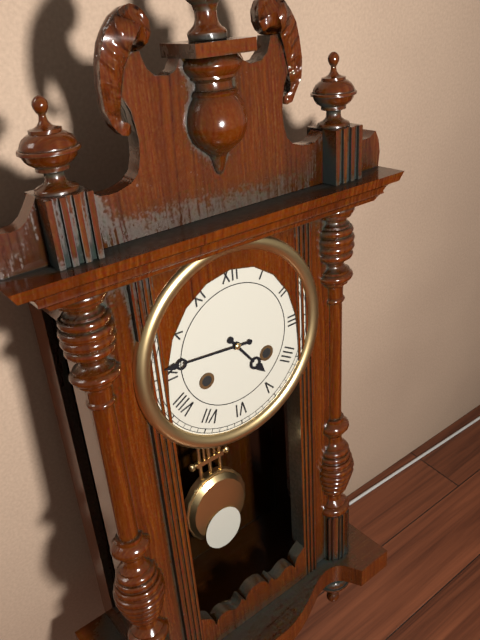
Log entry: {"hour": 4, "minute": 46}
